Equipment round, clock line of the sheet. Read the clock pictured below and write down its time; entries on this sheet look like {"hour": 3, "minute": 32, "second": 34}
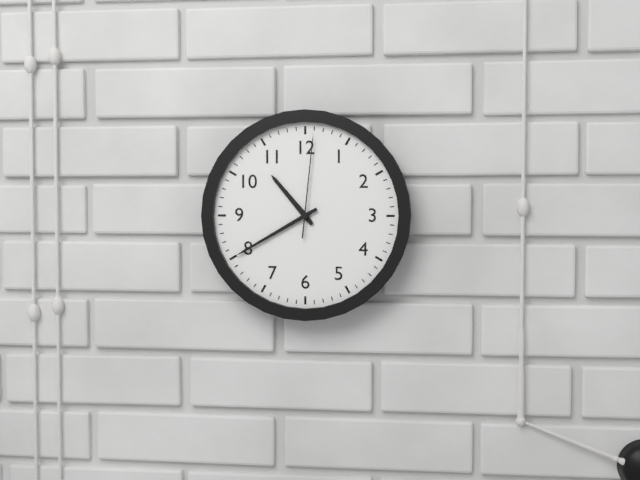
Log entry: {"hour": 10, "minute": 40, "second": 1}
